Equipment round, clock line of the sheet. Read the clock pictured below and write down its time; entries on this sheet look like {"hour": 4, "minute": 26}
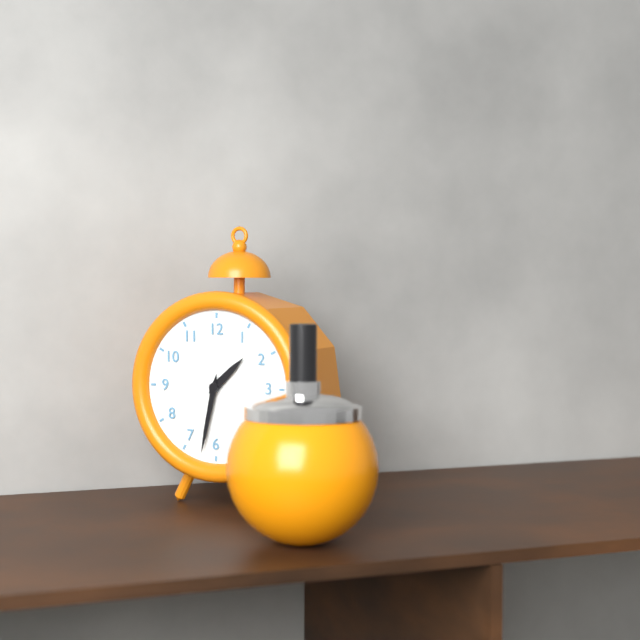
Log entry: {"hour": 1, "minute": 32}
